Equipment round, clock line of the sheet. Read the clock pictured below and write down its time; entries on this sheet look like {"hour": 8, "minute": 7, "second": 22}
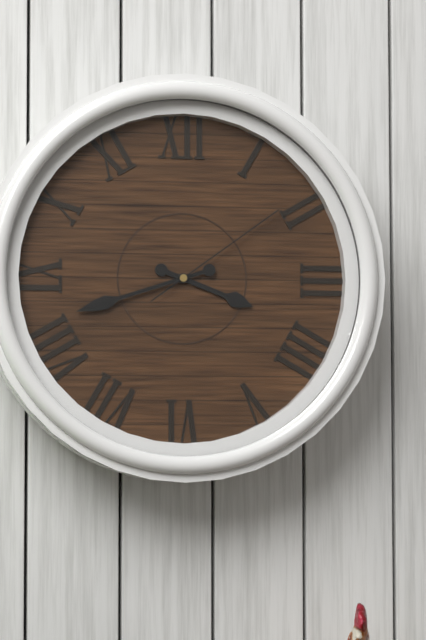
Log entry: {"hour": 3, "minute": 42, "second": 9}
